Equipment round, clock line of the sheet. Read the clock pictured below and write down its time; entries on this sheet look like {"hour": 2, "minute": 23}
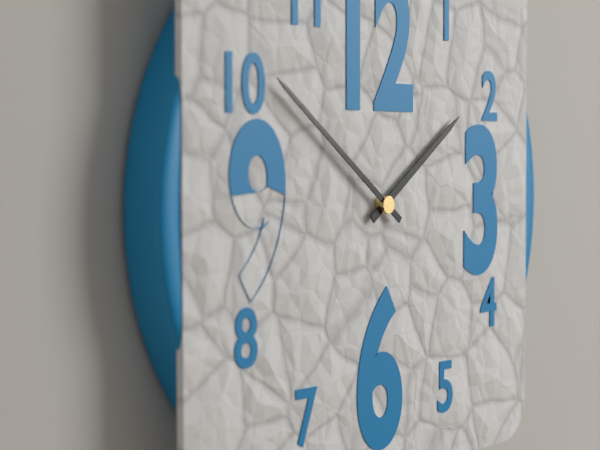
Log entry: {"hour": 1, "minute": 51}
